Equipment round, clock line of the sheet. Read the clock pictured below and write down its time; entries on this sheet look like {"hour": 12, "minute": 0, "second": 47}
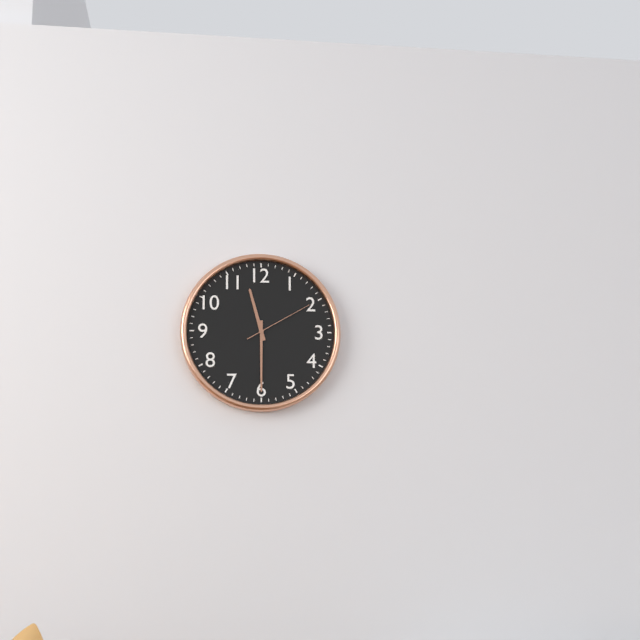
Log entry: {"hour": 11, "minute": 30, "second": 10}
